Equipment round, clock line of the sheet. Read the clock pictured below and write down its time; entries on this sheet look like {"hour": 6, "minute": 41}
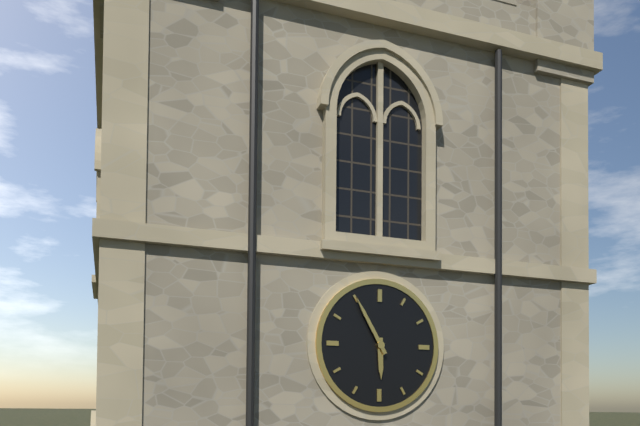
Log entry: {"hour": 5, "minute": 55}
